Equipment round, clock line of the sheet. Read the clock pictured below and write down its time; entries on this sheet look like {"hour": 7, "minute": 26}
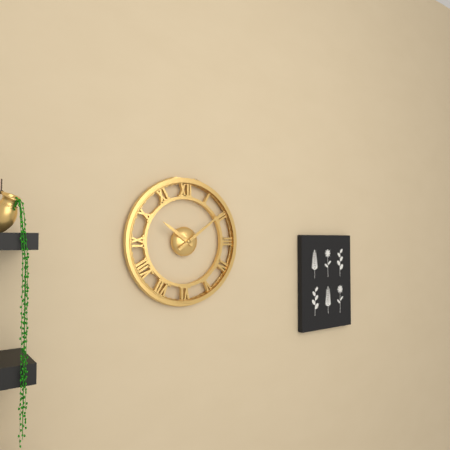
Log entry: {"hour": 10, "minute": 9}
